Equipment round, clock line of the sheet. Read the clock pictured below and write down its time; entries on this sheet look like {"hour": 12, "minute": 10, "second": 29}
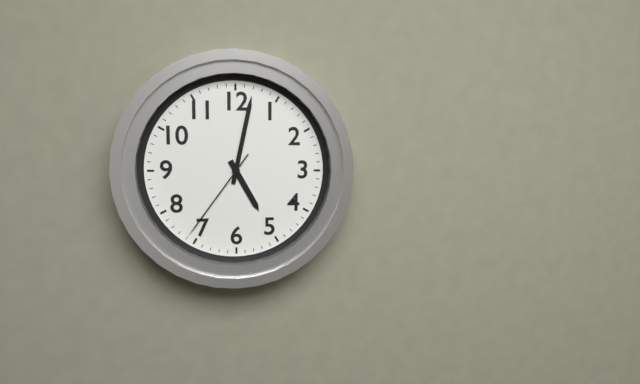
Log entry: {"hour": 5, "minute": 2, "second": 36}
